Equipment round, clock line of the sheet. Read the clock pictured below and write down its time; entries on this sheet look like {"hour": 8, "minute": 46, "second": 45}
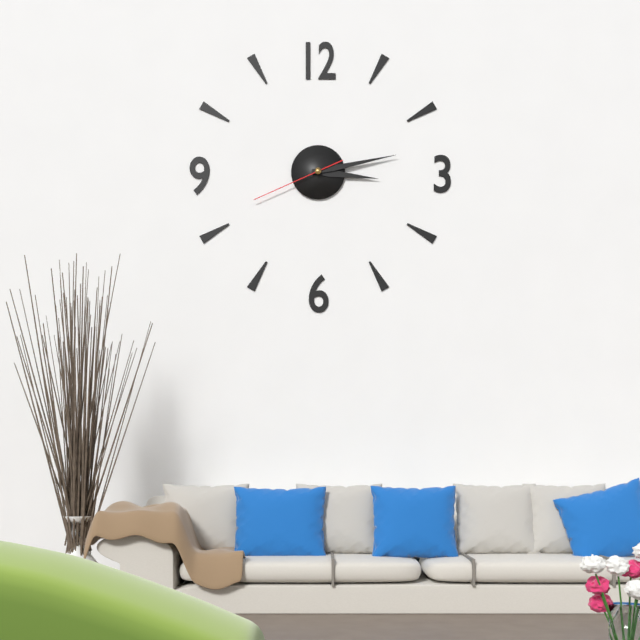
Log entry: {"hour": 3, "minute": 13, "second": 41}
